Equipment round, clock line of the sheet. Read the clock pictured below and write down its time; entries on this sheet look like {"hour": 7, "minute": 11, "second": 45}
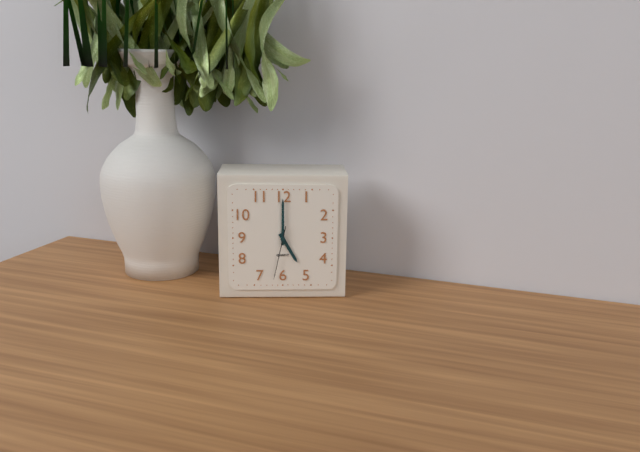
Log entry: {"hour": 5, "minute": 0, "second": 32}
